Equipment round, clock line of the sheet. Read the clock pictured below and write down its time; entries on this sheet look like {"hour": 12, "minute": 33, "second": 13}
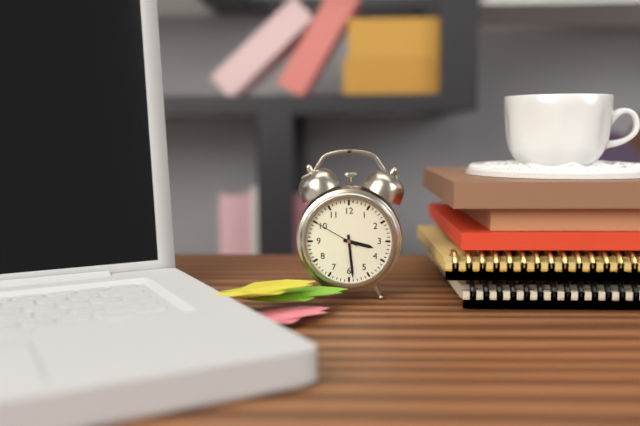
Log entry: {"hour": 3, "minute": 29, "second": 50}
